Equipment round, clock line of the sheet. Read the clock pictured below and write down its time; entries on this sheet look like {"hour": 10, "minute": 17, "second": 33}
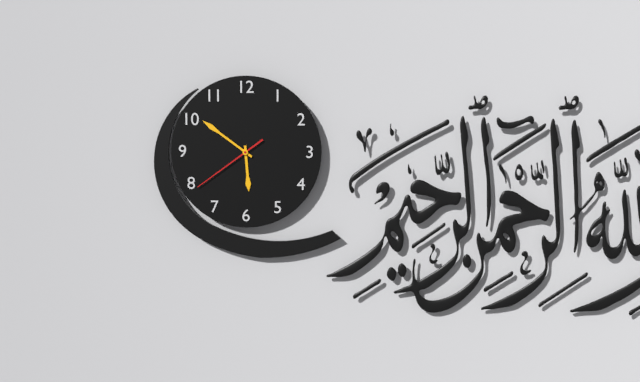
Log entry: {"hour": 5, "minute": 51, "second": 39}
